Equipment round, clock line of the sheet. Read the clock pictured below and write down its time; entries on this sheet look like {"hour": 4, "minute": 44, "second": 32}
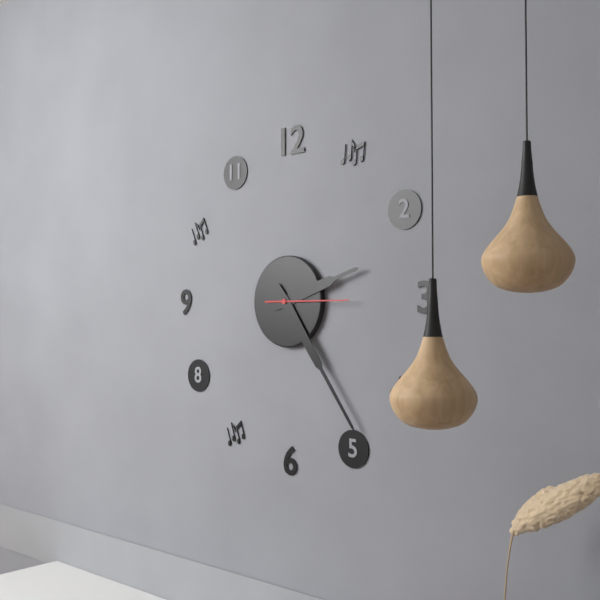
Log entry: {"hour": 2, "minute": 24, "second": 15}
